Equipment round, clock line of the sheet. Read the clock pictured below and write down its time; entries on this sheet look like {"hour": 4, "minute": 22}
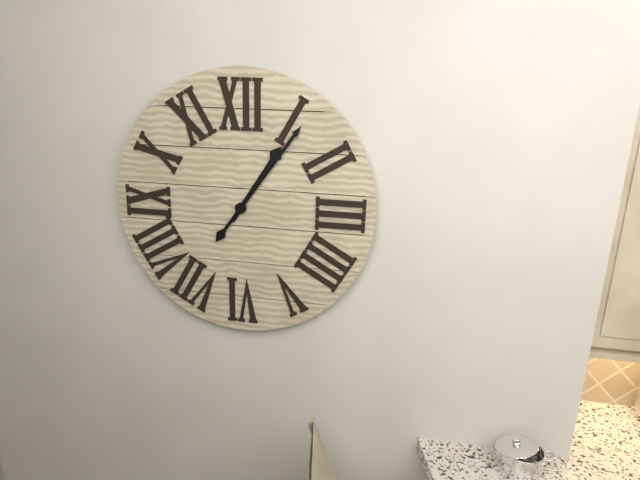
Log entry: {"hour": 1, "minute": 6}
